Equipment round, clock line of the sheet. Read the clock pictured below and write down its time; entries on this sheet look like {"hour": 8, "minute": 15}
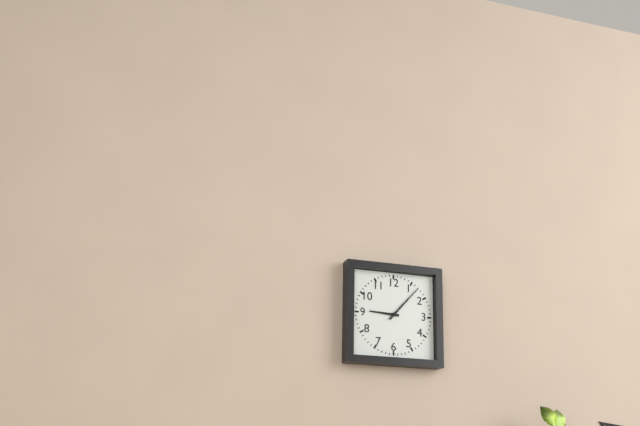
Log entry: {"hour": 9, "minute": 7}
